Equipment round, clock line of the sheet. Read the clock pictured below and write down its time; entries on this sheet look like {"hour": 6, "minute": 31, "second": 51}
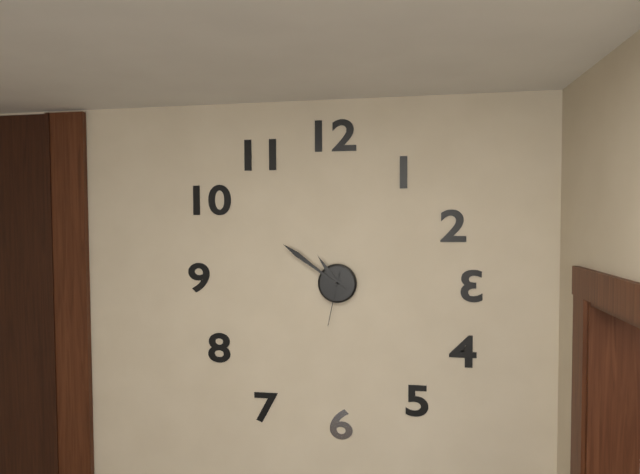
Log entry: {"hour": 10, "minute": 51, "second": 32}
